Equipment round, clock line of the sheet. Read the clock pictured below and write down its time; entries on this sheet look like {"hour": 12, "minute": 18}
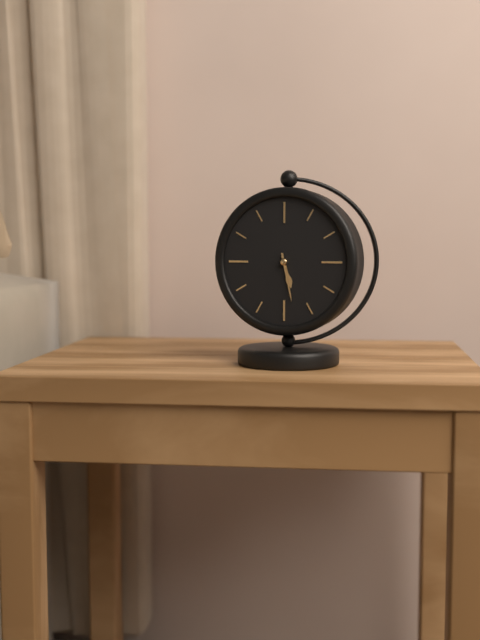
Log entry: {"hour": 5, "minute": 28}
